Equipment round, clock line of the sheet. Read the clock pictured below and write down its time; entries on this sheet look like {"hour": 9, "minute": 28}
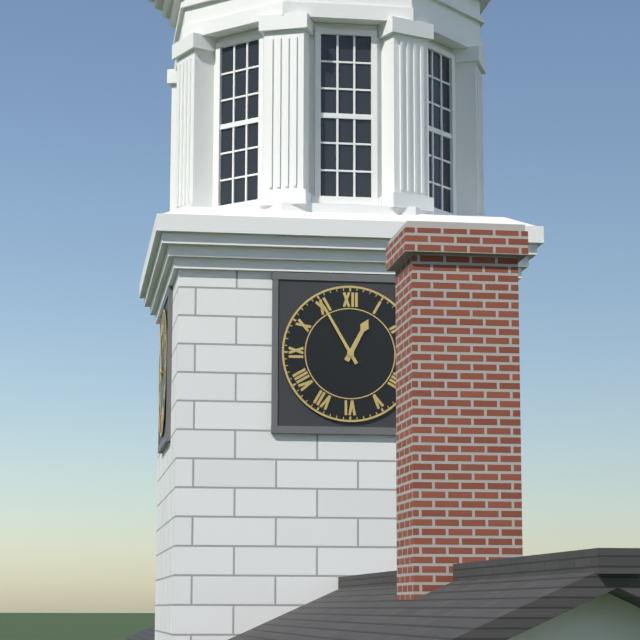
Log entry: {"hour": 12, "minute": 55}
